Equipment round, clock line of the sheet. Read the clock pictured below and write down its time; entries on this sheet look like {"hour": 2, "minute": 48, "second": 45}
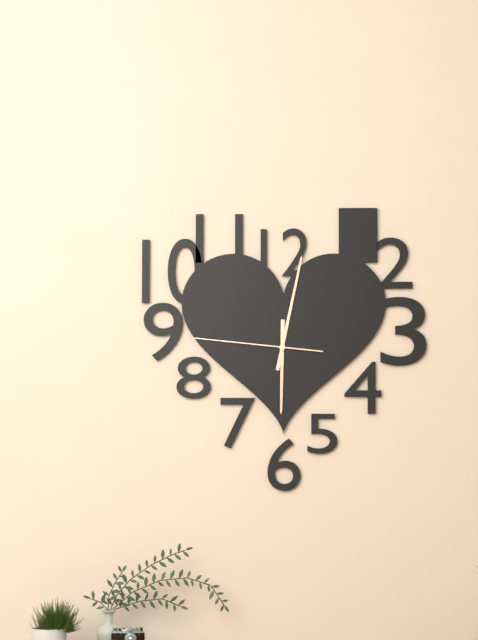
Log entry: {"hour": 6, "minute": 2, "second": 46}
